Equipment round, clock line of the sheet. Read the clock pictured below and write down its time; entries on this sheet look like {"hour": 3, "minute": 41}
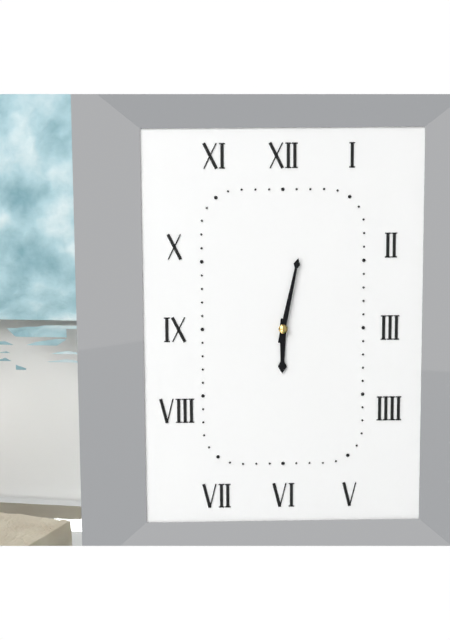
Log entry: {"hour": 6, "minute": 2}
